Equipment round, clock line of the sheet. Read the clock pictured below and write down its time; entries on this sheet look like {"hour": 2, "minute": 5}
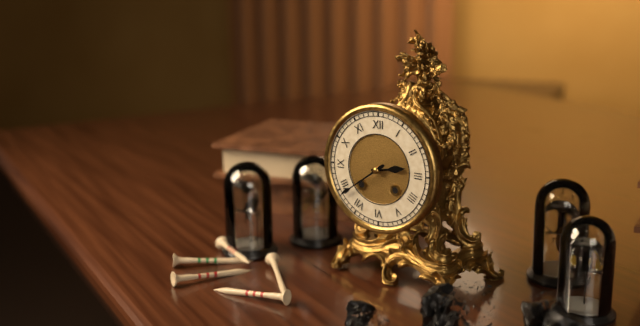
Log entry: {"hour": 2, "minute": 39}
